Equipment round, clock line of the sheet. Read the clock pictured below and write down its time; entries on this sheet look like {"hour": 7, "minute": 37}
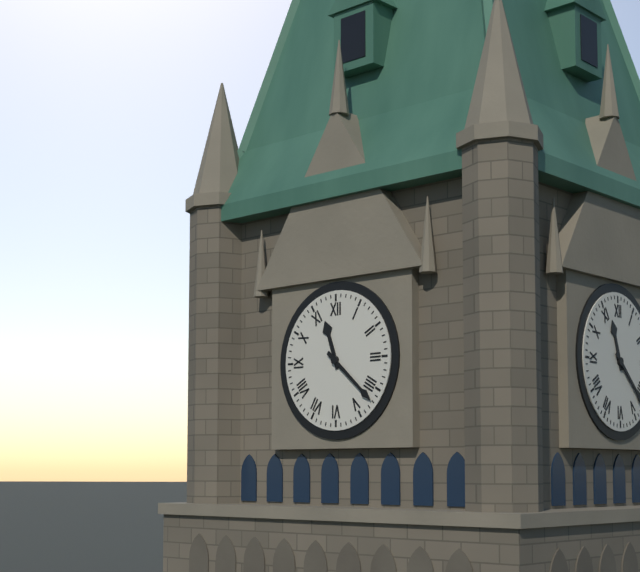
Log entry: {"hour": 11, "minute": 22}
